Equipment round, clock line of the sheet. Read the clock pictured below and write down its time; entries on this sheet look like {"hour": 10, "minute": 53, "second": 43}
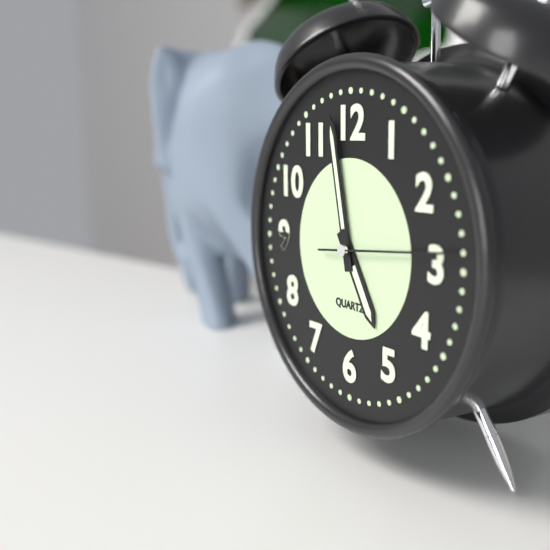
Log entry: {"hour": 4, "minute": 58, "second": 14}
